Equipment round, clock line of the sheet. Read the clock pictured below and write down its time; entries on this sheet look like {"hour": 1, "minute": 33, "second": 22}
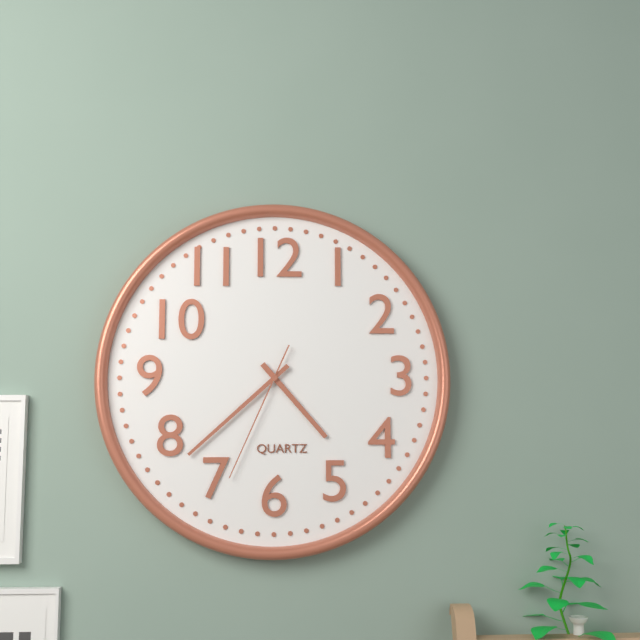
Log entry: {"hour": 4, "minute": 38, "second": 34}
